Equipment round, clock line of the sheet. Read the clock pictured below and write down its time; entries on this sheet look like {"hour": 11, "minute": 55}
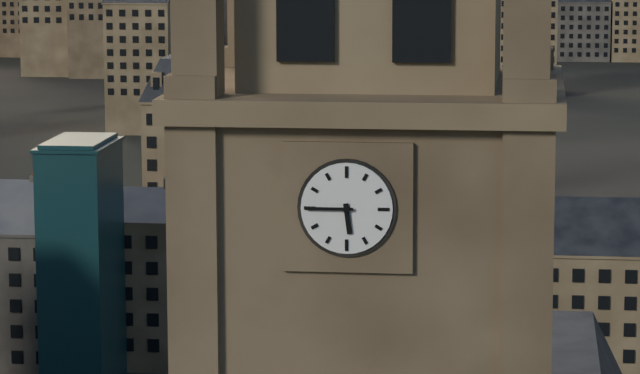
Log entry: {"hour": 5, "minute": 45}
